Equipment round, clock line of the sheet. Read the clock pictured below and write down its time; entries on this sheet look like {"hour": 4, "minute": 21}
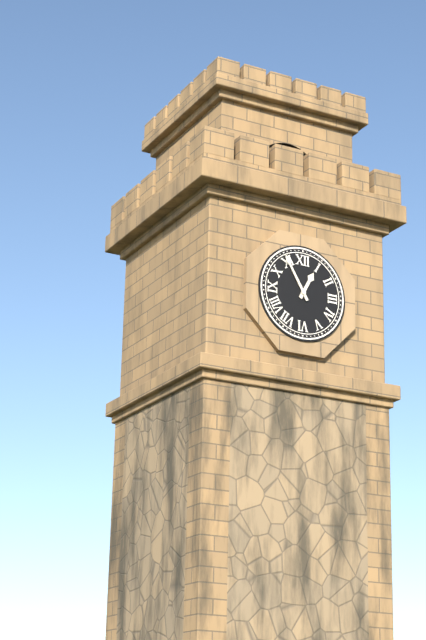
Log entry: {"hour": 12, "minute": 55}
